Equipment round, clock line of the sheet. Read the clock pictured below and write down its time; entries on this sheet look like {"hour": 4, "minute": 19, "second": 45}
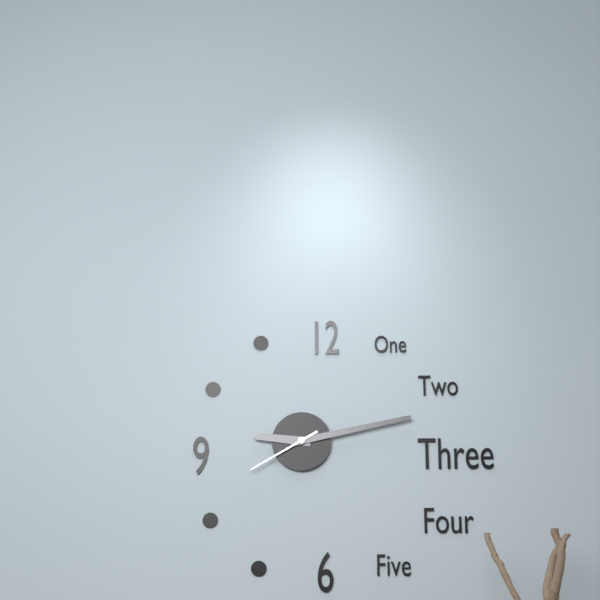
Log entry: {"hour": 9, "minute": 13, "second": 40}
